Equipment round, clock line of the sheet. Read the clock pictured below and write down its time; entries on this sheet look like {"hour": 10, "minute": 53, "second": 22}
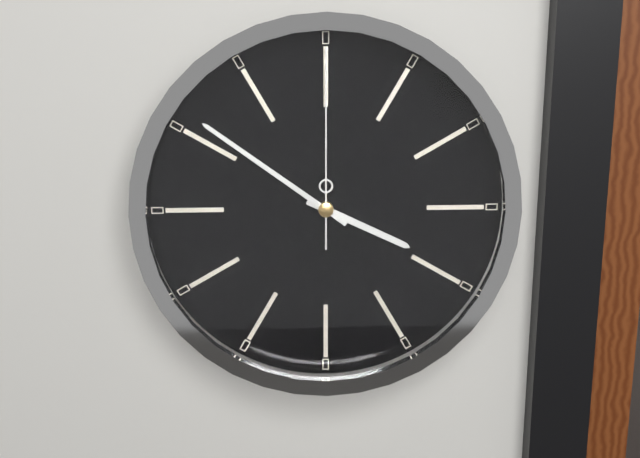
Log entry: {"hour": 3, "minute": 51, "second": 0}
